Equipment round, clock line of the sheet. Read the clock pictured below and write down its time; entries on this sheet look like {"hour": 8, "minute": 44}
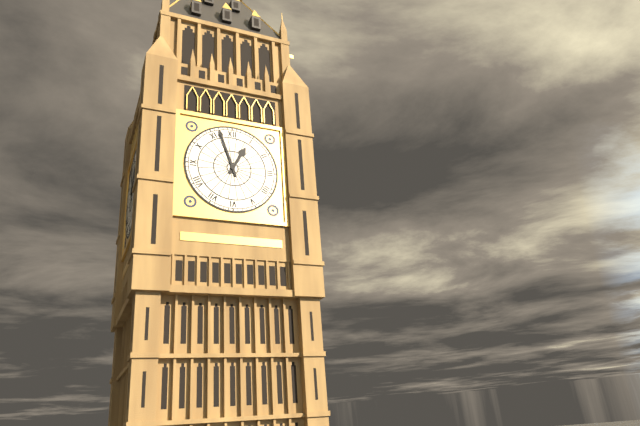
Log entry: {"hour": 12, "minute": 57}
